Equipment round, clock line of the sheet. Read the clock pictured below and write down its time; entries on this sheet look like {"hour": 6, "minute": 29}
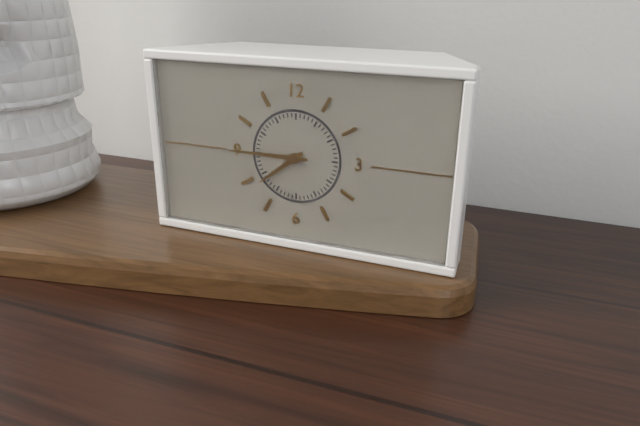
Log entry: {"hour": 7, "minute": 45}
